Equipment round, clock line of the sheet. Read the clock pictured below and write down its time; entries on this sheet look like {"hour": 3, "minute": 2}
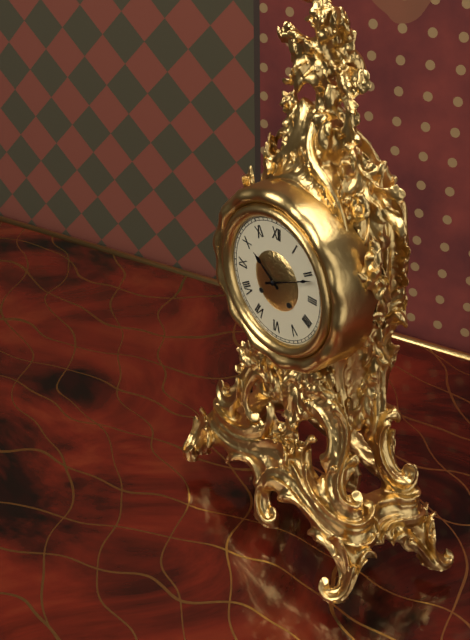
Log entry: {"hour": 10, "minute": 11}
